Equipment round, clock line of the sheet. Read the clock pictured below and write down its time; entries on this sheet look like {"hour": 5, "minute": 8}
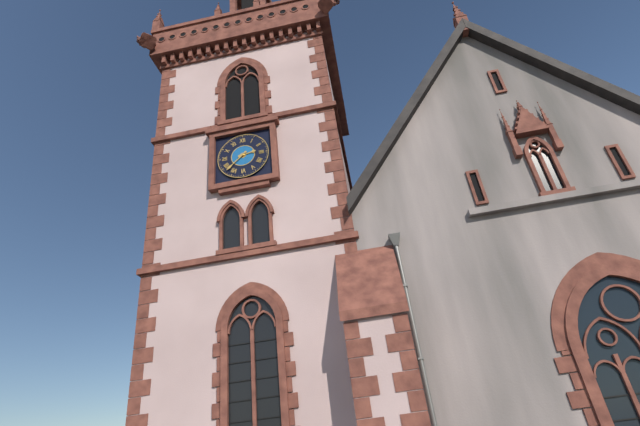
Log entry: {"hour": 2, "minute": 38}
